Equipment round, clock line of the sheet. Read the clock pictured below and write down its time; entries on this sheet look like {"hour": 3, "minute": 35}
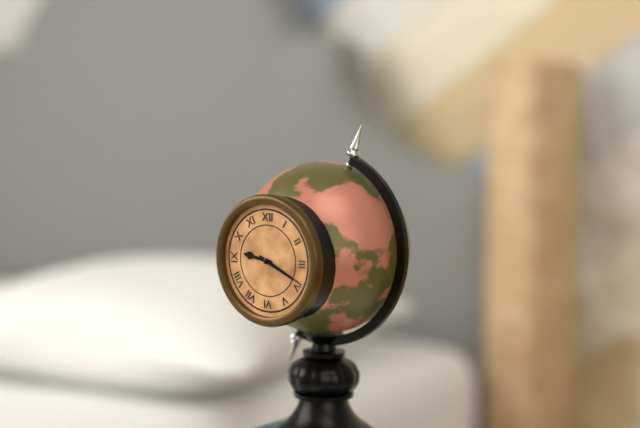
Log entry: {"hour": 9, "minute": 19}
